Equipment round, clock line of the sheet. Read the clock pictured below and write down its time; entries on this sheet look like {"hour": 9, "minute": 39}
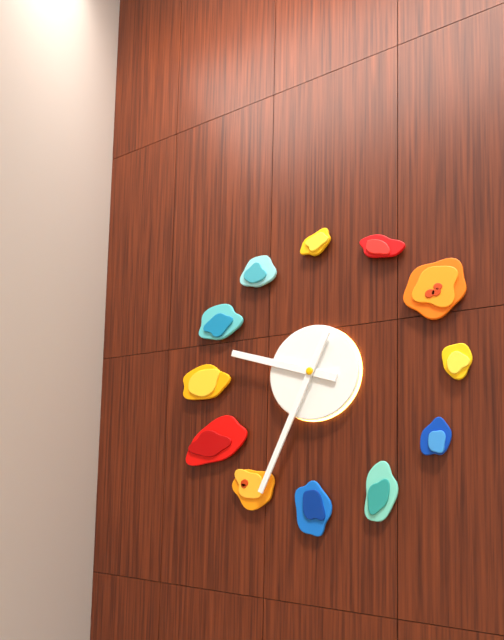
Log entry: {"hour": 9, "minute": 34}
